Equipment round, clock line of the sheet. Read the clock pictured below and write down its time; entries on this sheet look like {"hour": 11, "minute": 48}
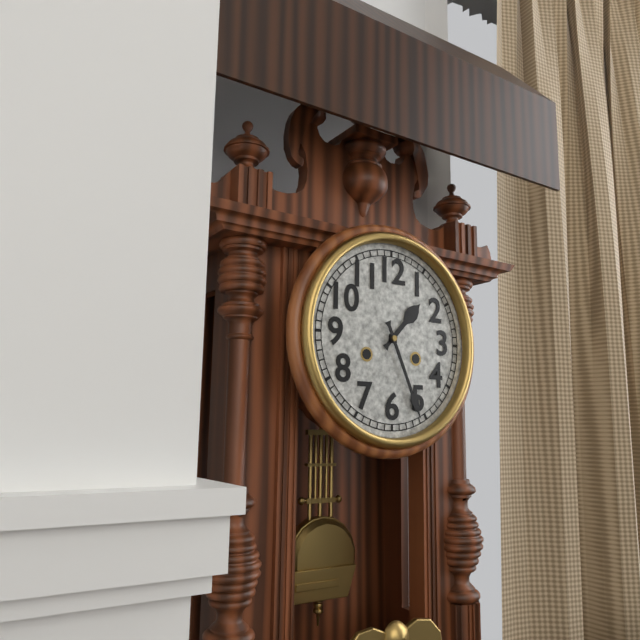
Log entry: {"hour": 1, "minute": 26}
